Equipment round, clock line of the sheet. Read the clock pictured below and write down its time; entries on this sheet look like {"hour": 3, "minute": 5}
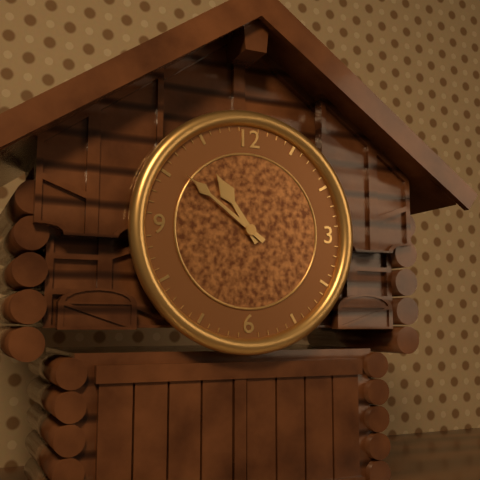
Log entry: {"hour": 10, "minute": 51}
